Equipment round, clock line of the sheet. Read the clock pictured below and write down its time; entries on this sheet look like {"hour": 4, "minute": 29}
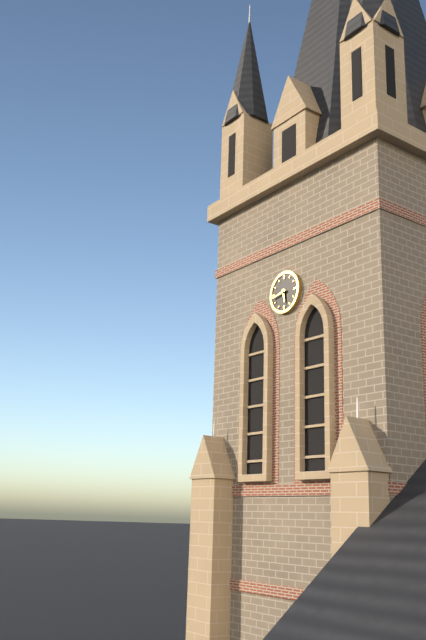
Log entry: {"hour": 5, "minute": 43}
